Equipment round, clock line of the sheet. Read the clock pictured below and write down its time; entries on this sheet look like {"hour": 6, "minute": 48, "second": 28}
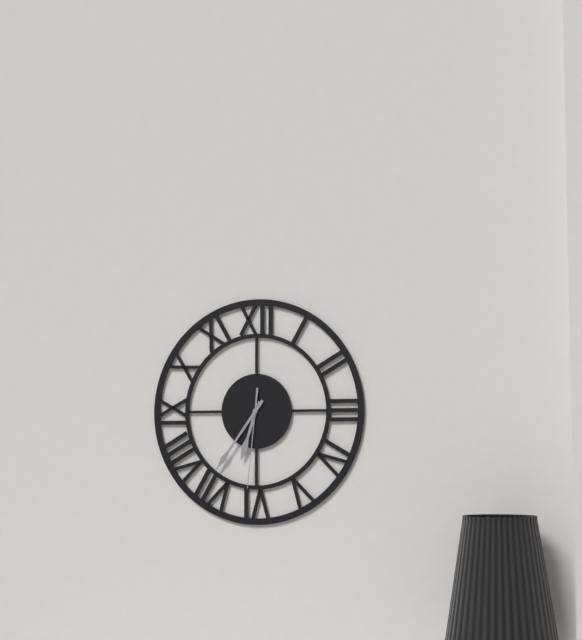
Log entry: {"hour": 6, "minute": 36, "second": 31}
